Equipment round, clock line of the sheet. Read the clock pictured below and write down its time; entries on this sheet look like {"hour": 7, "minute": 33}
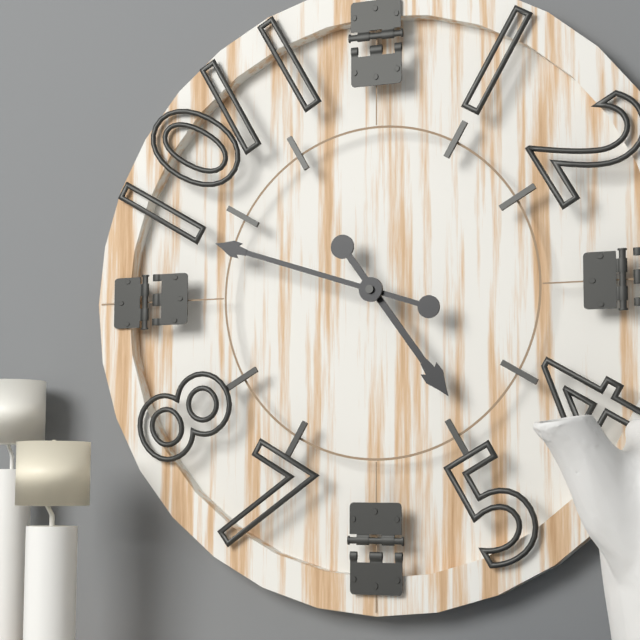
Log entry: {"hour": 4, "minute": 48}
